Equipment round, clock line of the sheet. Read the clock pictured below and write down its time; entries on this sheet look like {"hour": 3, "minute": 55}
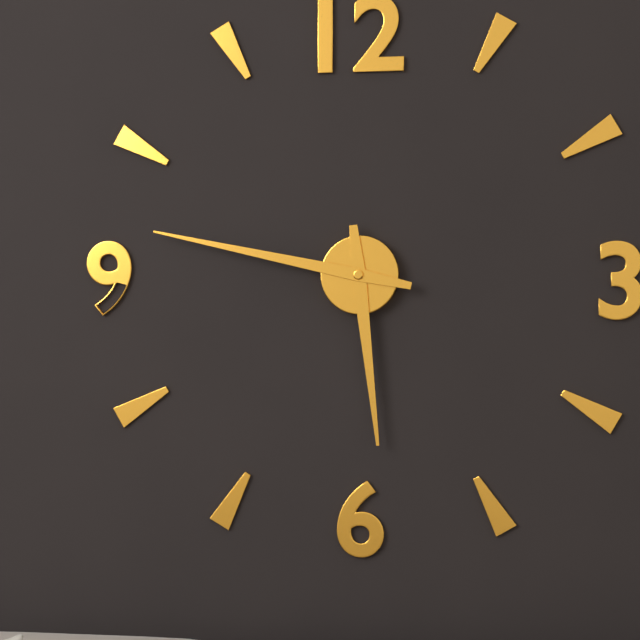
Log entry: {"hour": 5, "minute": 47}
